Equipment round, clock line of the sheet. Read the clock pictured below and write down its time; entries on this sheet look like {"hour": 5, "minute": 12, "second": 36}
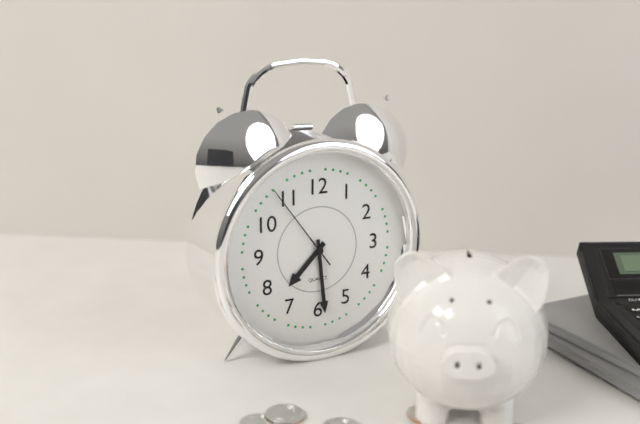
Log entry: {"hour": 7, "minute": 29, "second": 54}
